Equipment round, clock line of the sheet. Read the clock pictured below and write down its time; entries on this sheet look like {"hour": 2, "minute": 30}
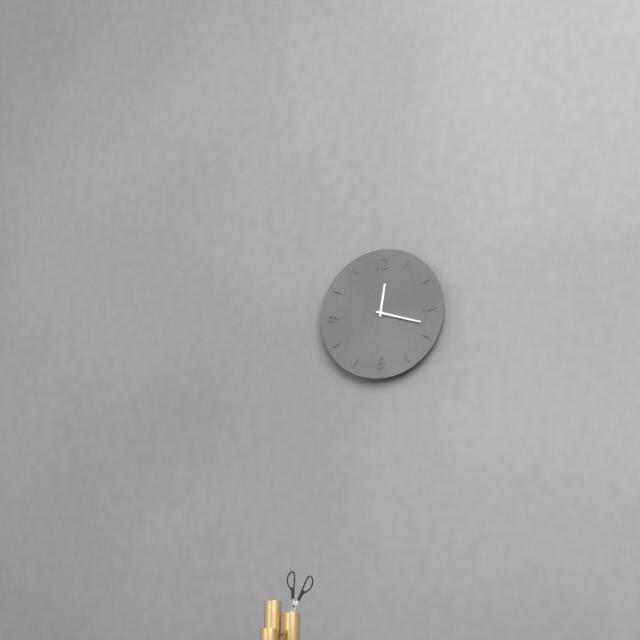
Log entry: {"hour": 12, "minute": 18}
